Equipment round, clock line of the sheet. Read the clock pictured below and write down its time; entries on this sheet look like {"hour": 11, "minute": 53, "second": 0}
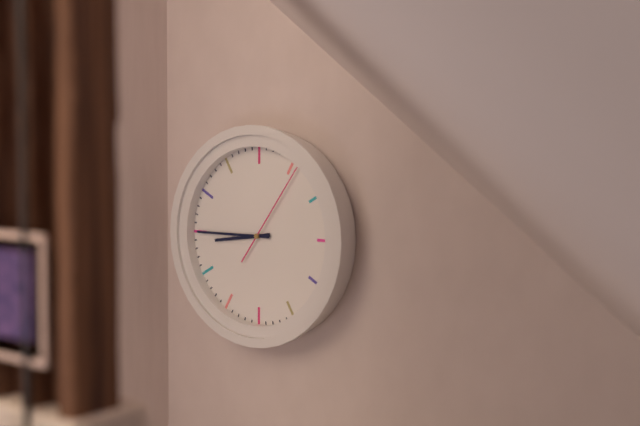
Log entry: {"hour": 8, "minute": 45, "second": 6}
